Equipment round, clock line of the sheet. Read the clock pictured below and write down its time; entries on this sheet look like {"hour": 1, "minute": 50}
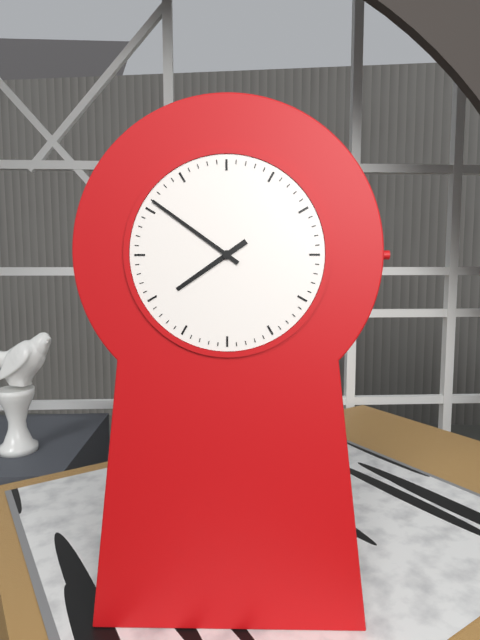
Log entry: {"hour": 7, "minute": 51}
